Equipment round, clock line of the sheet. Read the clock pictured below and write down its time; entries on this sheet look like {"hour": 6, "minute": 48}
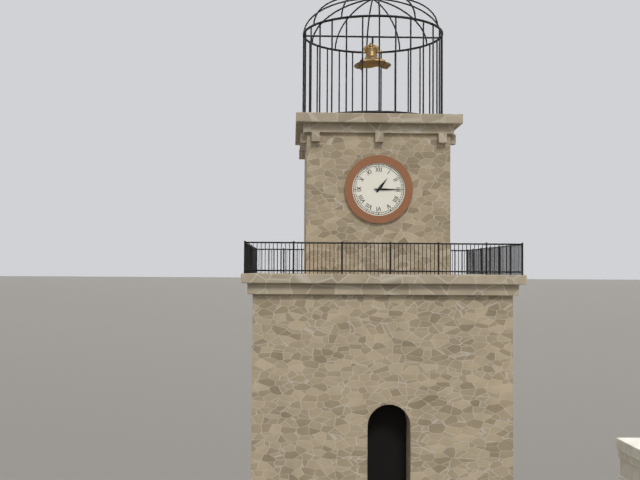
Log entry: {"hour": 1, "minute": 15}
